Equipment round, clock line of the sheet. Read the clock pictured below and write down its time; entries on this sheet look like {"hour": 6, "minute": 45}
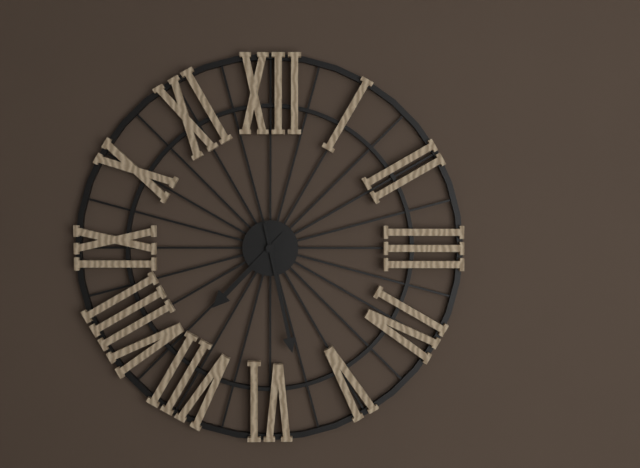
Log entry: {"hour": 7, "minute": 28}
